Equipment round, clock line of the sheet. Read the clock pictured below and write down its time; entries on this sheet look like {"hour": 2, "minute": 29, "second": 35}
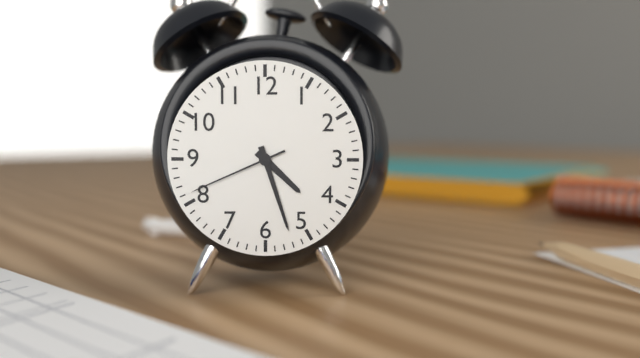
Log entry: {"hour": 4, "minute": 27, "second": 41}
